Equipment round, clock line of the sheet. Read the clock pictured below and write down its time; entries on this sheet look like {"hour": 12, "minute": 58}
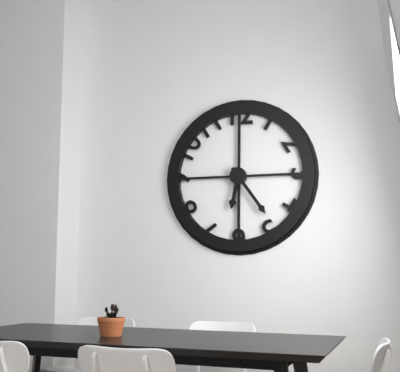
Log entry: {"hour": 6, "minute": 24}
